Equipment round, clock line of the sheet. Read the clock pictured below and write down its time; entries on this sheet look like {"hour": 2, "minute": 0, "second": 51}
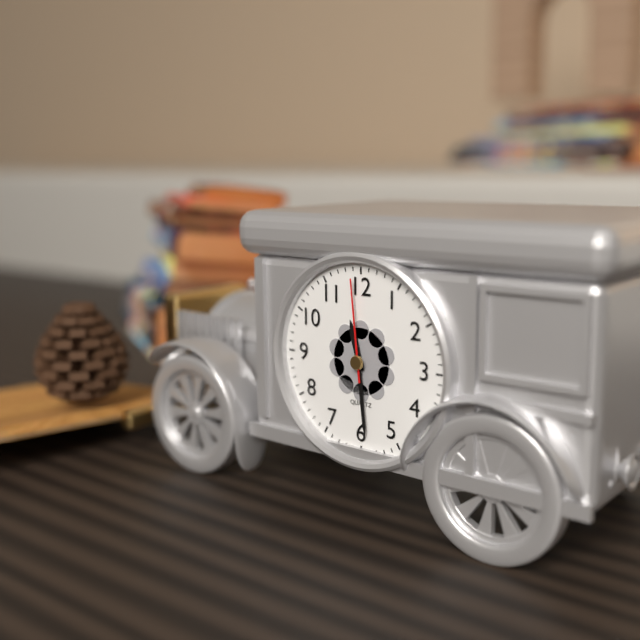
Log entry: {"hour": 11, "minute": 29, "second": 59}
